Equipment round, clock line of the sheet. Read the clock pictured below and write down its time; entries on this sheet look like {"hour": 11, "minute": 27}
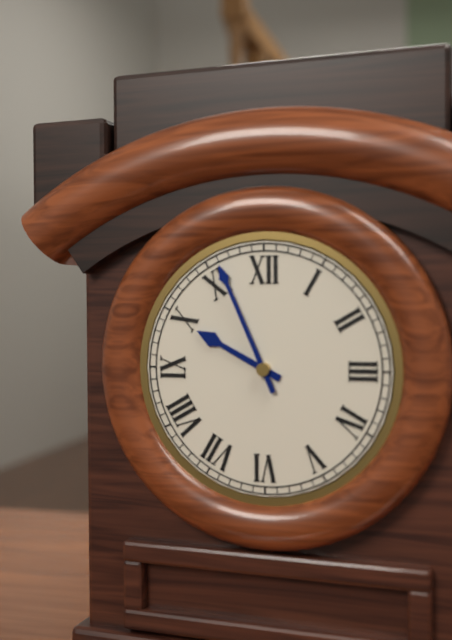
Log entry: {"hour": 9, "minute": 56}
